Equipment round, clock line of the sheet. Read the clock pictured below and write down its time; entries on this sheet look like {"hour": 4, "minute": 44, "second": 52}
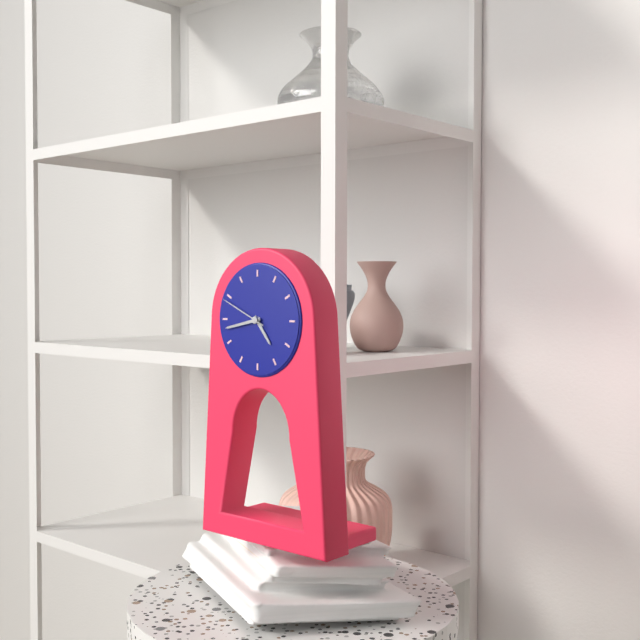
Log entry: {"hour": 4, "minute": 43, "second": 49}
